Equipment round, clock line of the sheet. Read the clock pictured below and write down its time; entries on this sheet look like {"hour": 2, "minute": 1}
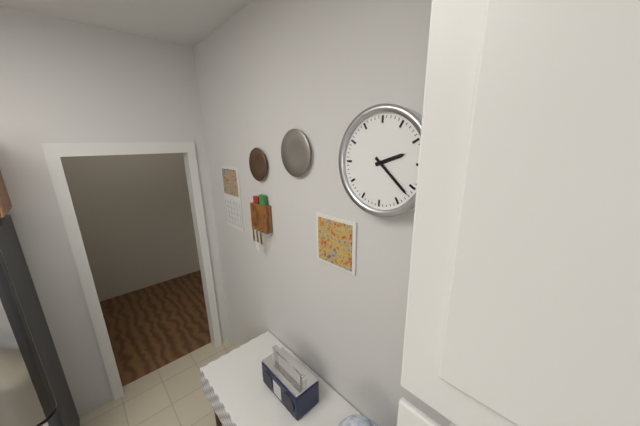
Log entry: {"hour": 2, "minute": 22}
